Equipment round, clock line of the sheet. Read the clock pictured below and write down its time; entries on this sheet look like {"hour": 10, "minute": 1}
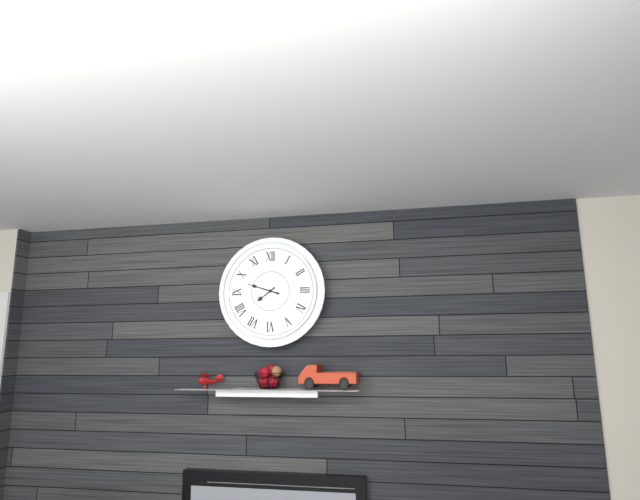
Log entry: {"hour": 7, "minute": 48}
